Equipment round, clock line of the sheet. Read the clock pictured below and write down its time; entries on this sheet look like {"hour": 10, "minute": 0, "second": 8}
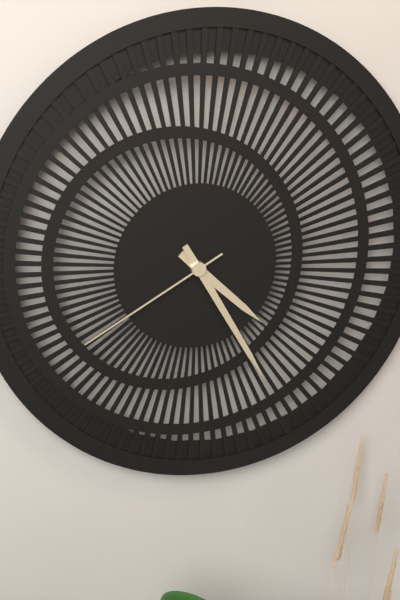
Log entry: {"hour": 4, "minute": 25, "second": 40}
